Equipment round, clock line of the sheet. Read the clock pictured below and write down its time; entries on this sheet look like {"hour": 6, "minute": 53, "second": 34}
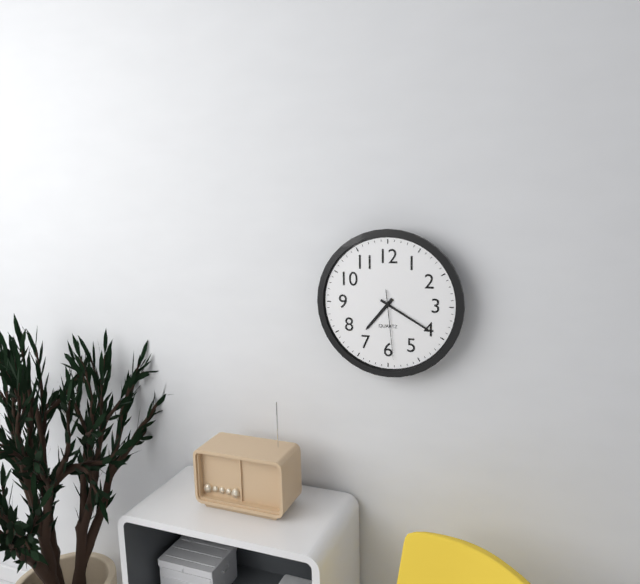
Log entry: {"hour": 7, "minute": 20, "second": 29}
